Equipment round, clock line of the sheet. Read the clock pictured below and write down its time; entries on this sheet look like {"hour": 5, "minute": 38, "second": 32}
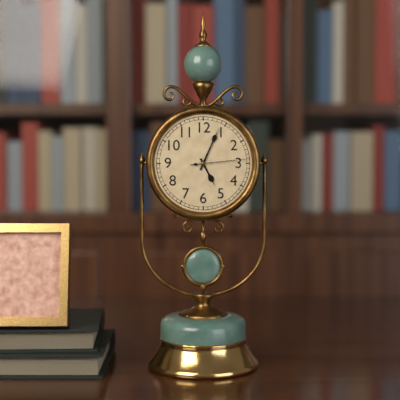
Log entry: {"hour": 5, "minute": 4, "second": 14}
